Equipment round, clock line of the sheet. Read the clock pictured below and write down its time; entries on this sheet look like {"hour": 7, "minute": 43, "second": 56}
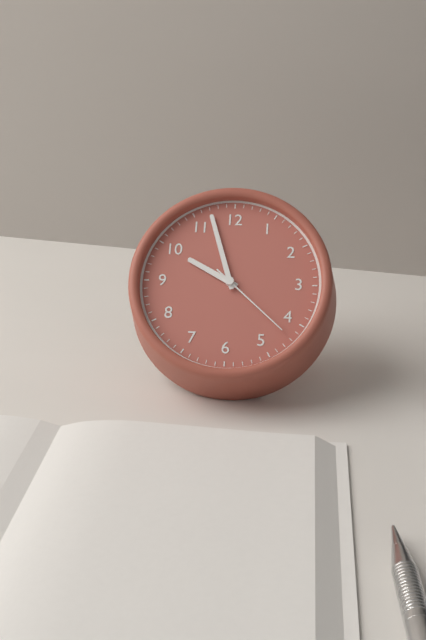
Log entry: {"hour": 9, "minute": 57, "second": 22}
